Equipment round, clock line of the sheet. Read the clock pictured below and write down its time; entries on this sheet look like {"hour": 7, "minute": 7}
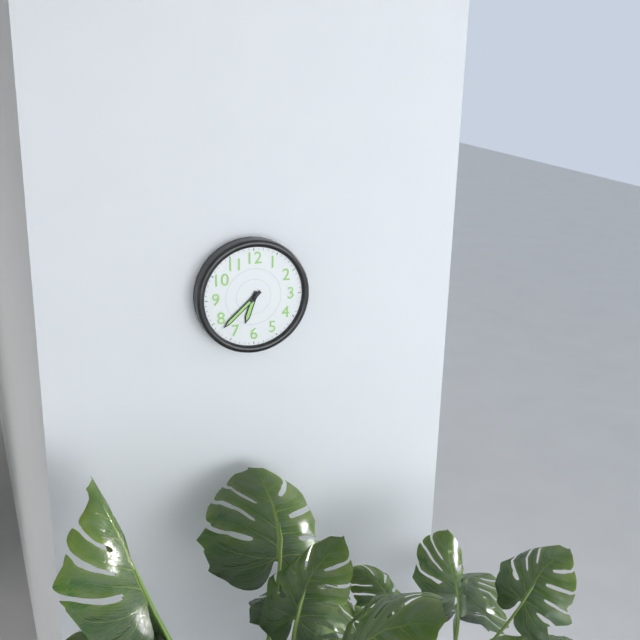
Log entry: {"hour": 6, "minute": 38}
